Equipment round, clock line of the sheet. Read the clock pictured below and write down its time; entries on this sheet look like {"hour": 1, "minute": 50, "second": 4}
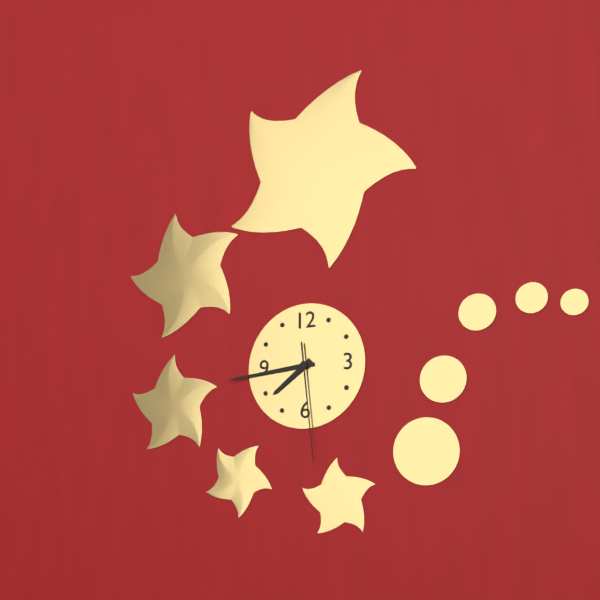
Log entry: {"hour": 7, "minute": 44, "second": 29}
